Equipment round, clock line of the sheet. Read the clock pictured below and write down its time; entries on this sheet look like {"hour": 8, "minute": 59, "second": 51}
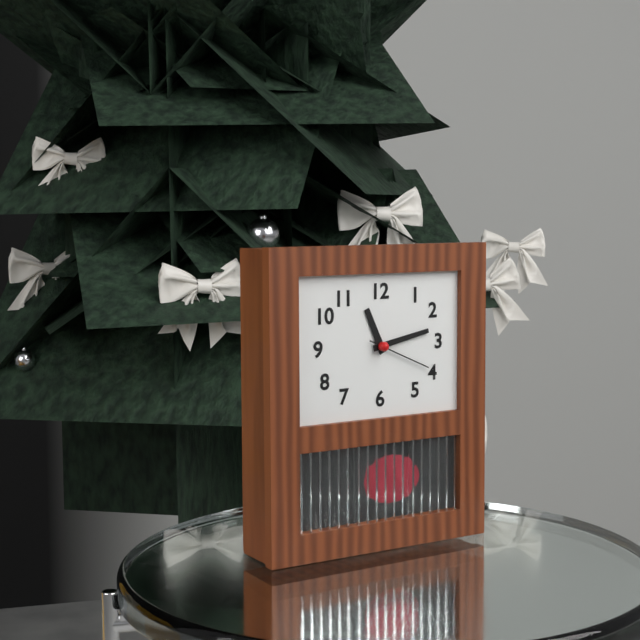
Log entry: {"hour": 11, "minute": 13, "second": 19}
